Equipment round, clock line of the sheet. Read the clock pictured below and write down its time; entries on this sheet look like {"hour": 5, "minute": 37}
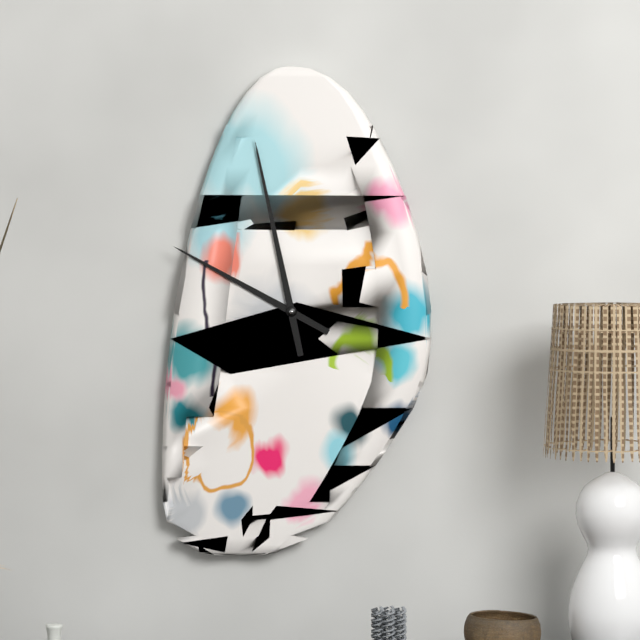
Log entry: {"hour": 9, "minute": 58}
